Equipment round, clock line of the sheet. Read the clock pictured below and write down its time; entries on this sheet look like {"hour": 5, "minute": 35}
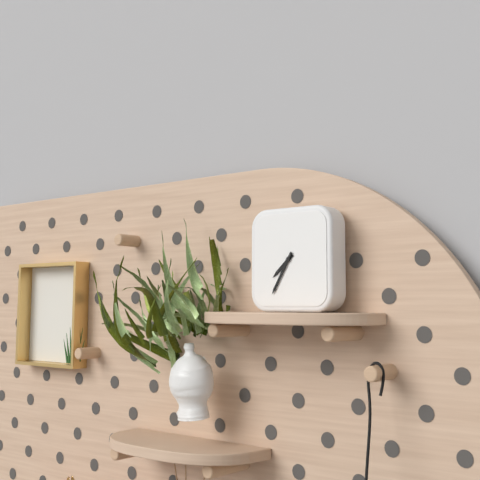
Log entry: {"hour": 7, "minute": 35}
